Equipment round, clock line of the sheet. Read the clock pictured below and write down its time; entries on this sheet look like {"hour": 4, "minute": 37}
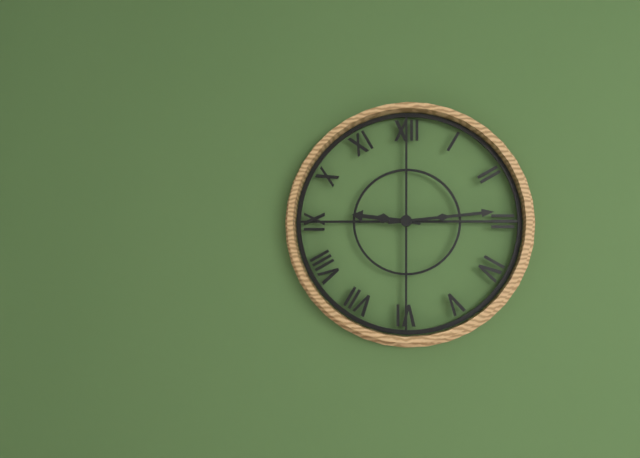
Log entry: {"hour": 9, "minute": 14}
